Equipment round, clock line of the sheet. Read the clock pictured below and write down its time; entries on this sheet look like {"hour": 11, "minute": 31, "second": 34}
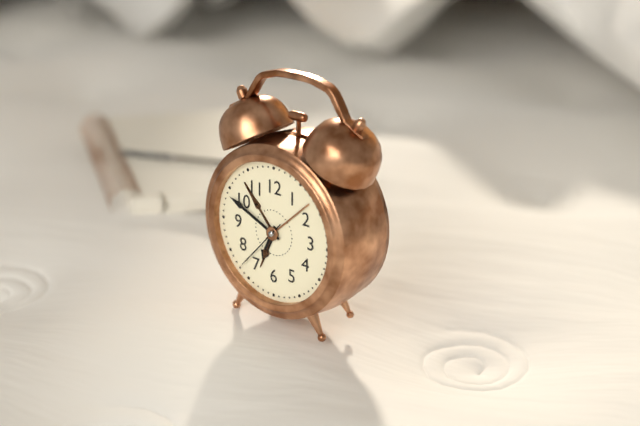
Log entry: {"hour": 6, "minute": 49, "second": 37}
